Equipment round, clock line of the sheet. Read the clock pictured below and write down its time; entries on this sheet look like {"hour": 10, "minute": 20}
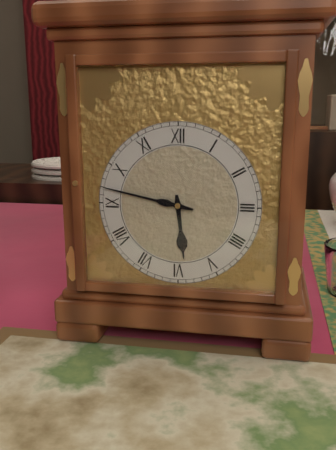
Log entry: {"hour": 5, "minute": 47}
